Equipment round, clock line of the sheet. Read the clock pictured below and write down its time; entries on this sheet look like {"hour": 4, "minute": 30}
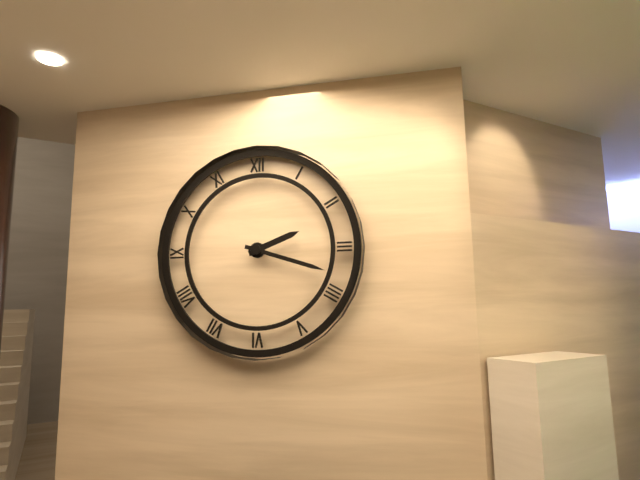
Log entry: {"hour": 2, "minute": 18}
